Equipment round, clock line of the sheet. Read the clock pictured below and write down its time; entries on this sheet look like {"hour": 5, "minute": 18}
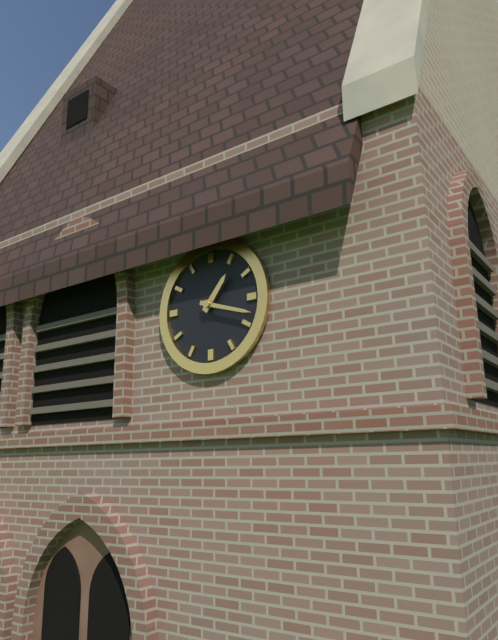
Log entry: {"hour": 1, "minute": 18}
